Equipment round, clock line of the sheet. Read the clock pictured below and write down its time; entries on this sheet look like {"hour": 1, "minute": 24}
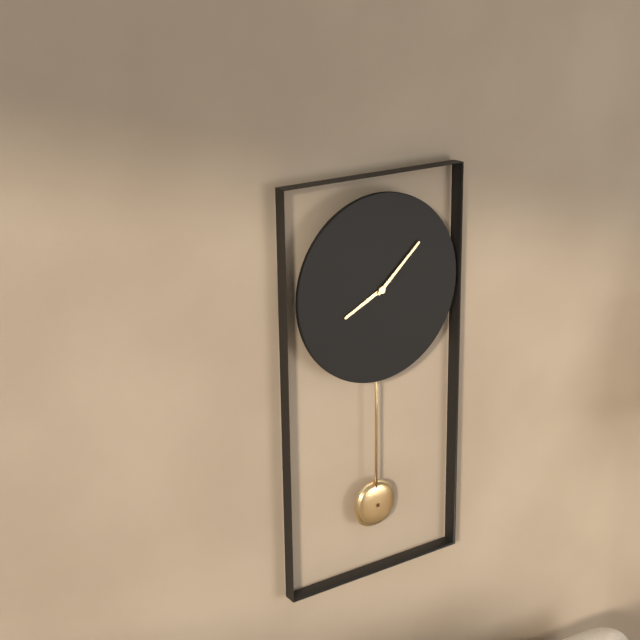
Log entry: {"hour": 8, "minute": 8}
